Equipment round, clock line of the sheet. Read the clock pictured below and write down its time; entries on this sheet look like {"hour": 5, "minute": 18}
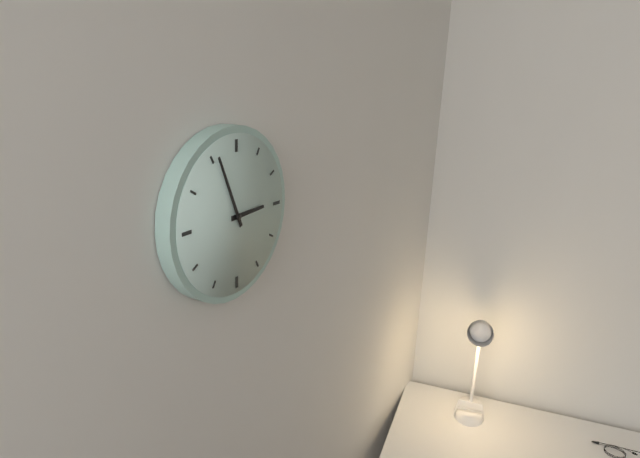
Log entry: {"hour": 2, "minute": 56}
